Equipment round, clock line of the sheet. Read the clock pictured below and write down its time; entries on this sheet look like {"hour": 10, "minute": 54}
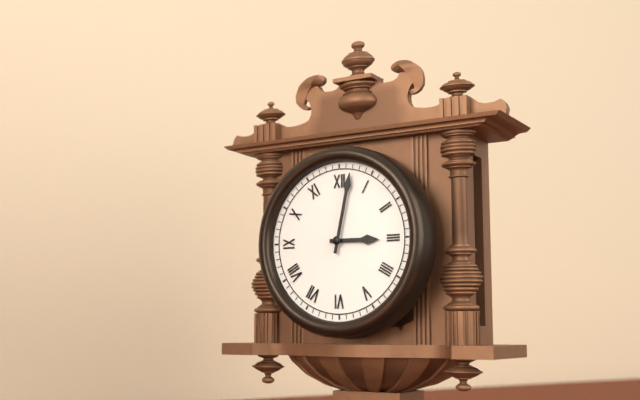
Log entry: {"hour": 3, "minute": 2}
